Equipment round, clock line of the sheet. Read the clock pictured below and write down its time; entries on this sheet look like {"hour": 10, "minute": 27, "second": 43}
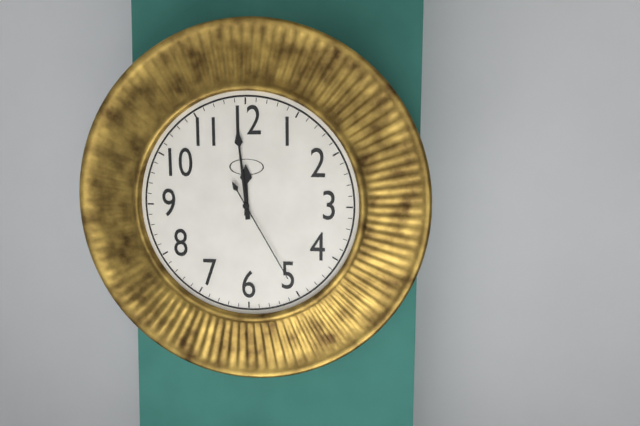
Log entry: {"hour": 11, "minute": 59, "second": 25}
